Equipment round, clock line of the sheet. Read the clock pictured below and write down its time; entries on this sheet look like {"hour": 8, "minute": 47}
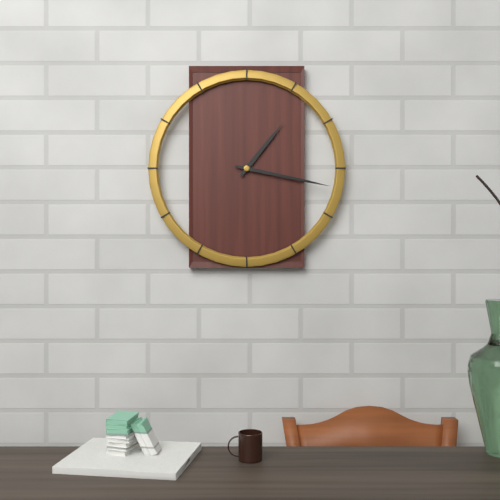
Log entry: {"hour": 1, "minute": 17}
